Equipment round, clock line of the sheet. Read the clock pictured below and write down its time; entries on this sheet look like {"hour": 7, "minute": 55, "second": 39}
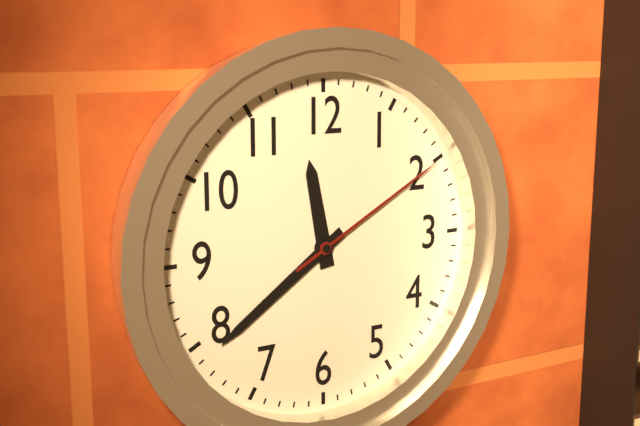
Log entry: {"hour": 11, "minute": 39, "second": 10}
